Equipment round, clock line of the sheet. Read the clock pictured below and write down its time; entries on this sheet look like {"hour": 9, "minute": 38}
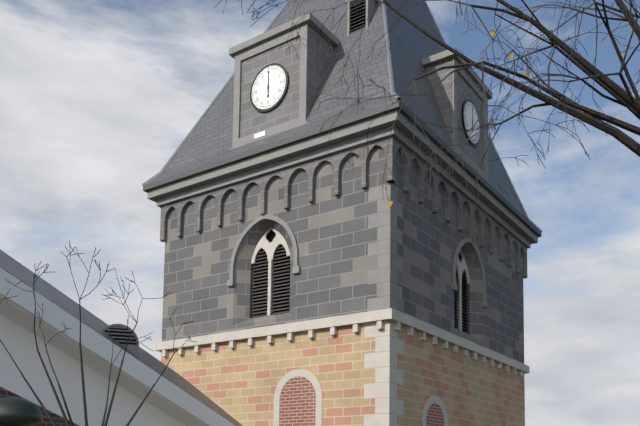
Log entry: {"hour": 6, "minute": 0}
